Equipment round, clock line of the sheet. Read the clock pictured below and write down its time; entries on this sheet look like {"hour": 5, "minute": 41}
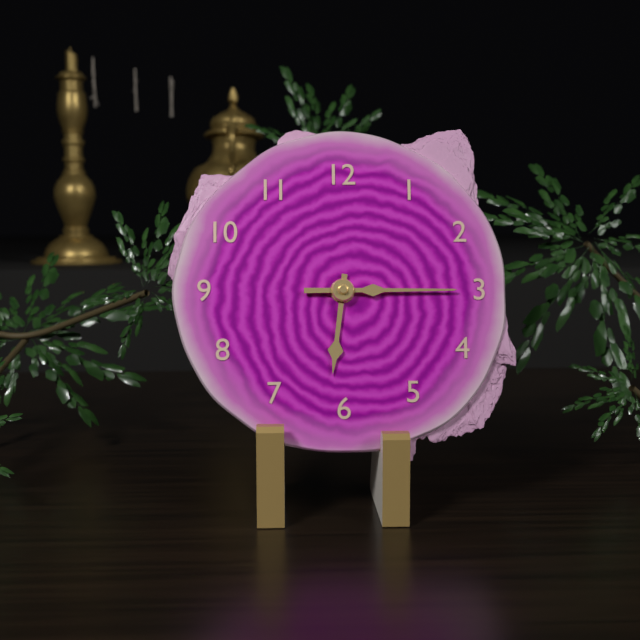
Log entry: {"hour": 6, "minute": 15}
